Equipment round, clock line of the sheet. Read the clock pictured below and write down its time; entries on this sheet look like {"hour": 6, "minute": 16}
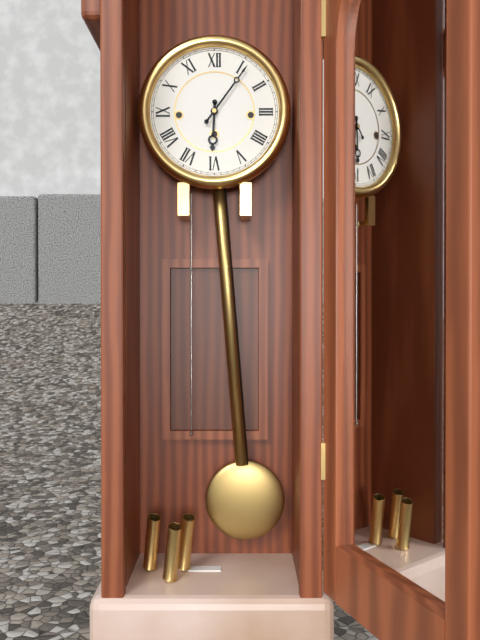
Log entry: {"hour": 6, "minute": 6}
